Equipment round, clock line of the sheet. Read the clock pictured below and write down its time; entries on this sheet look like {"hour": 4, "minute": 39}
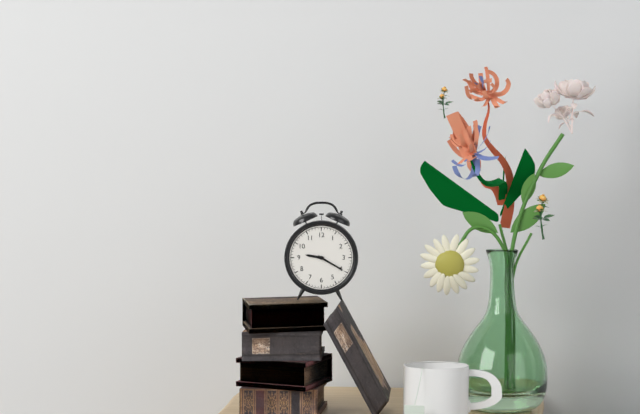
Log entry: {"hour": 9, "minute": 20}
